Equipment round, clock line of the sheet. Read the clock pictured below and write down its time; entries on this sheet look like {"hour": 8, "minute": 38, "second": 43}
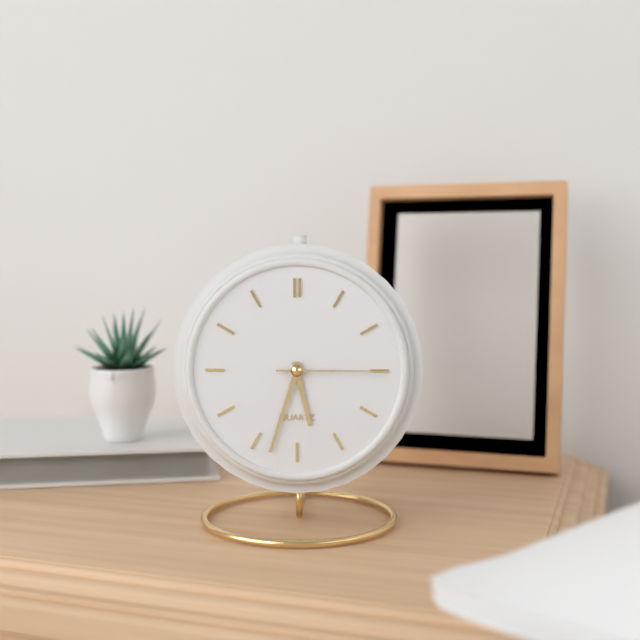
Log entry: {"hour": 5, "minute": 33, "second": 15}
